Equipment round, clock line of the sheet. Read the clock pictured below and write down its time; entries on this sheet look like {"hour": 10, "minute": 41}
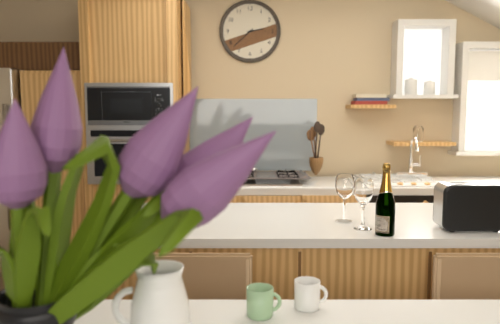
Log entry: {"hour": 2, "minute": 38}
